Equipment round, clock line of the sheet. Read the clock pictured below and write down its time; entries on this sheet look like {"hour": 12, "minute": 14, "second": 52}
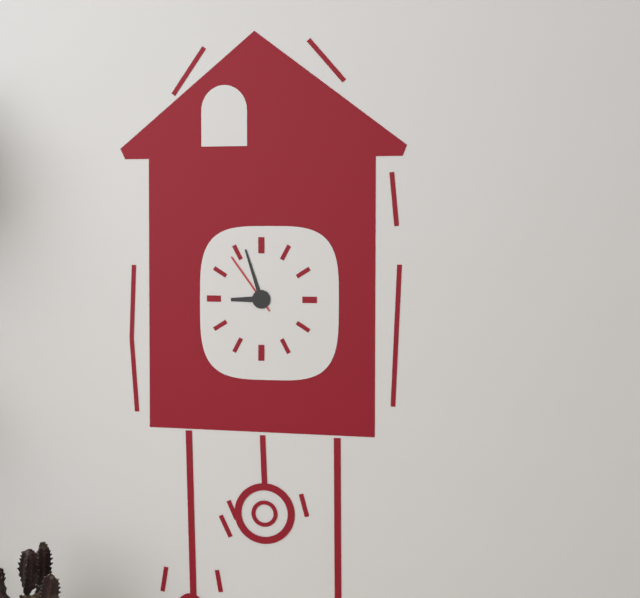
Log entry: {"hour": 8, "minute": 57, "second": 54}
